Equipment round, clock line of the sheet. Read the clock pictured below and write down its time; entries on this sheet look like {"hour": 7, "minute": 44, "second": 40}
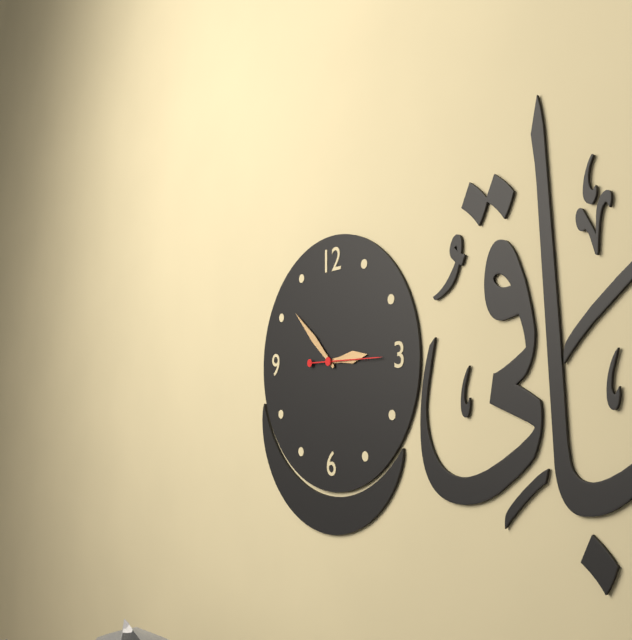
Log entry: {"hour": 2, "minute": 52, "second": 15}
